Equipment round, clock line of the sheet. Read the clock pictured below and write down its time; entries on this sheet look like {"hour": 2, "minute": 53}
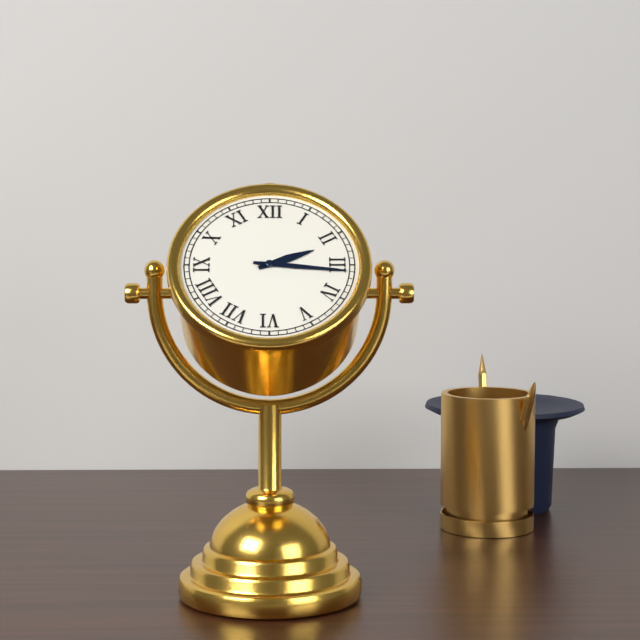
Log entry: {"hour": 2, "minute": 16}
